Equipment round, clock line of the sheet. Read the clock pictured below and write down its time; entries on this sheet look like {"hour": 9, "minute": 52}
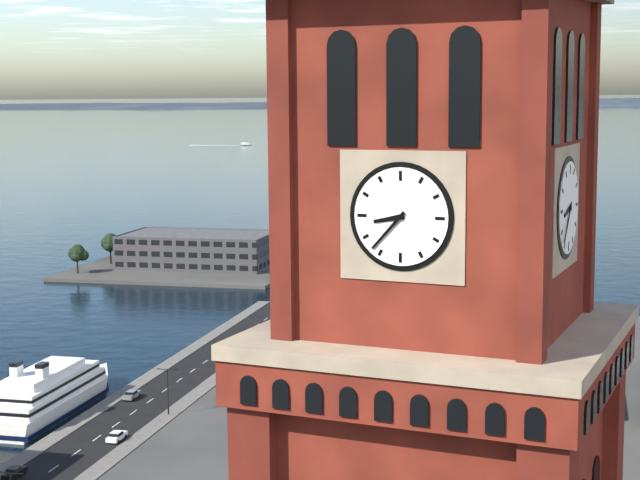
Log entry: {"hour": 8, "minute": 37}
